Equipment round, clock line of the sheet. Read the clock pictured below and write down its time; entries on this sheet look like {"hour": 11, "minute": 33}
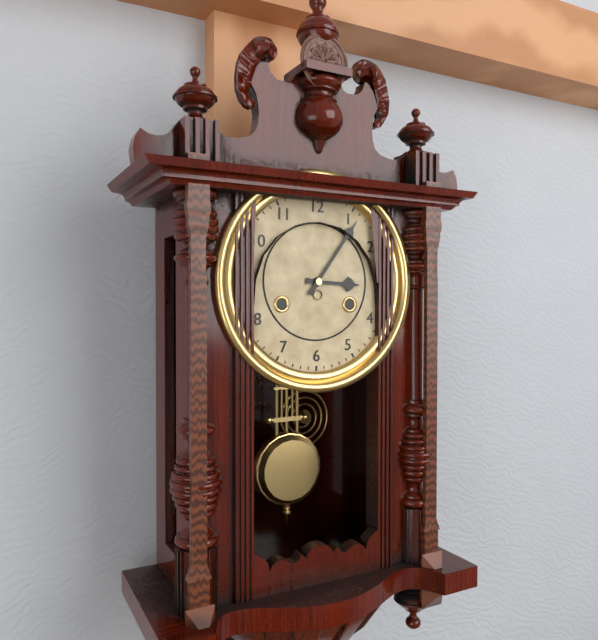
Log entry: {"hour": 3, "minute": 6}
